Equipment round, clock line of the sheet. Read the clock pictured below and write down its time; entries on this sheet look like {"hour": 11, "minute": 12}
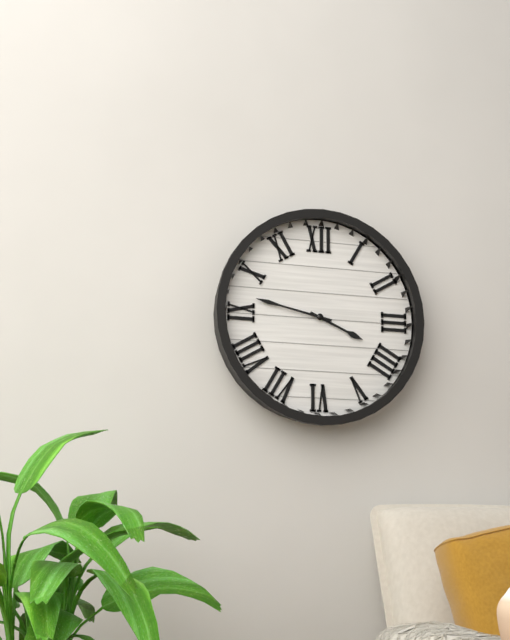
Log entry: {"hour": 3, "minute": 47}
